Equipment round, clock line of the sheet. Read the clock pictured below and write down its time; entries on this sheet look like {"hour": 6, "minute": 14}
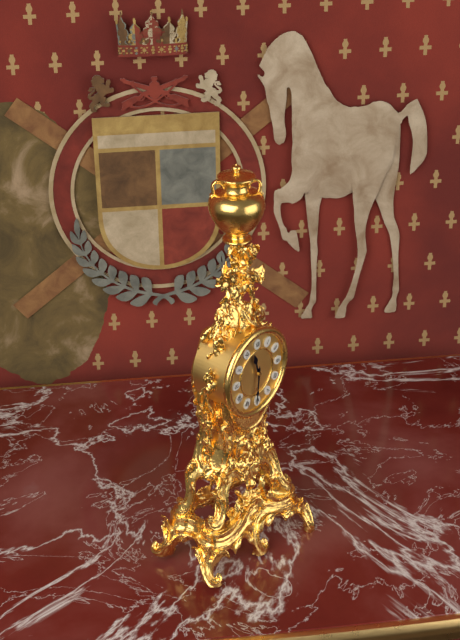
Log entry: {"hour": 11, "minute": 31}
